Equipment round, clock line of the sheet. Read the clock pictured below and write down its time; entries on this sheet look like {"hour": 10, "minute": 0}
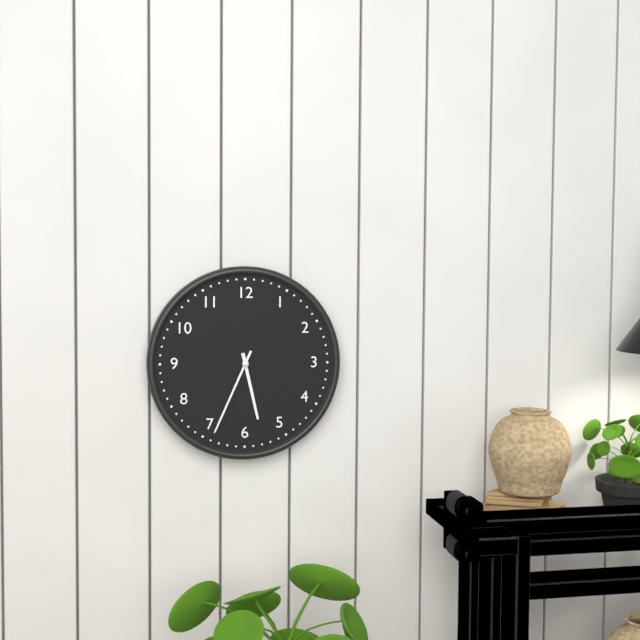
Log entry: {"hour": 5, "minute": 34}
